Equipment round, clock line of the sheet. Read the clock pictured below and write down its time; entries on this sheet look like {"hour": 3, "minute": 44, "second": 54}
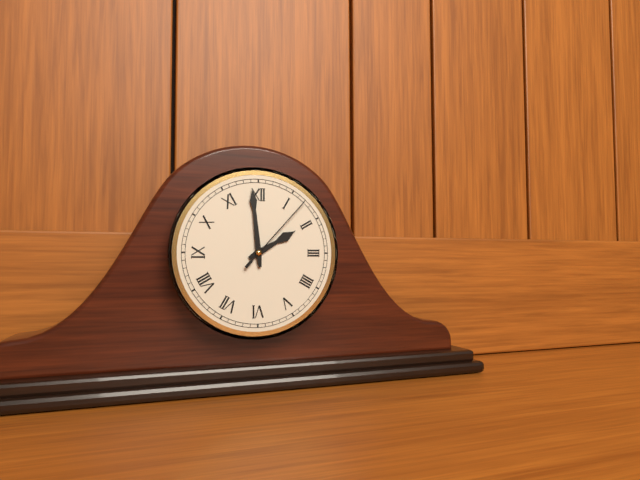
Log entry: {"hour": 1, "minute": 59, "second": 7}
